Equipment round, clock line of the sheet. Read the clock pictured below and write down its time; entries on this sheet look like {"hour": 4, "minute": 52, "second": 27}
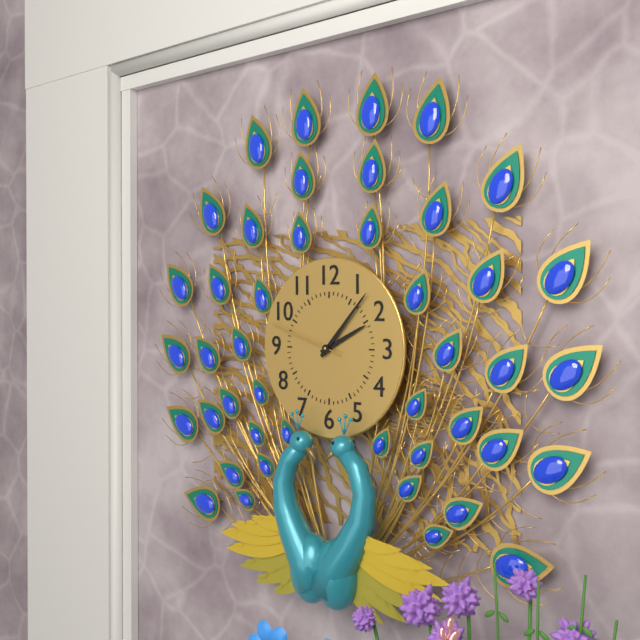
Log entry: {"hour": 2, "minute": 7, "second": 48}
